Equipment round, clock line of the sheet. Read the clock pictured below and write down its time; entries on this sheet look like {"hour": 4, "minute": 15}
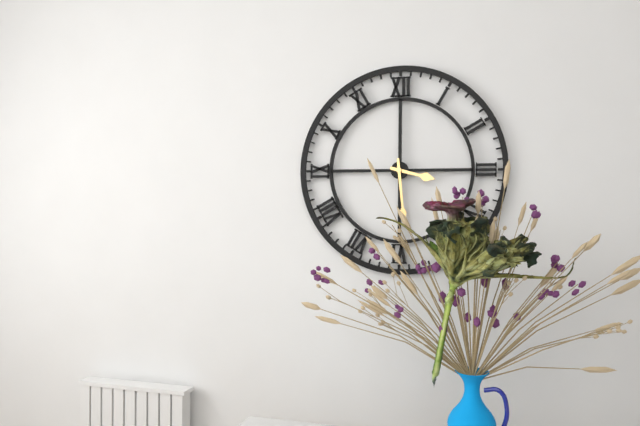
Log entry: {"hour": 3, "minute": 29}
